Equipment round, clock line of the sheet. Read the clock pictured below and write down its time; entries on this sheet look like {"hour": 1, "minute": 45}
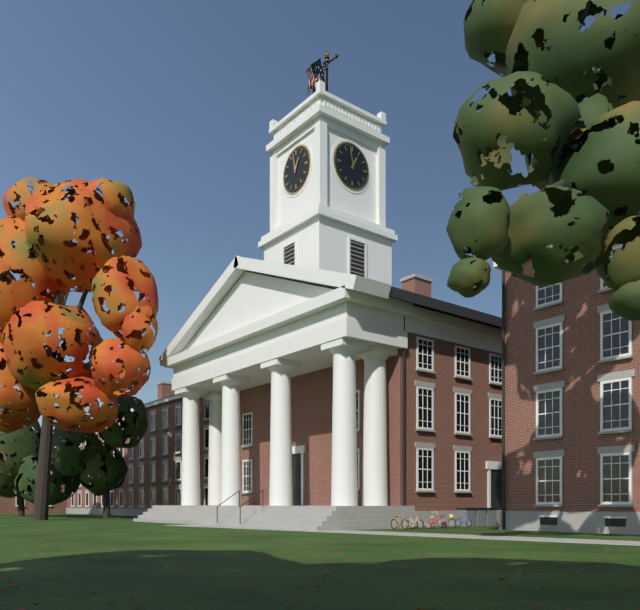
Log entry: {"hour": 12, "minute": 58}
